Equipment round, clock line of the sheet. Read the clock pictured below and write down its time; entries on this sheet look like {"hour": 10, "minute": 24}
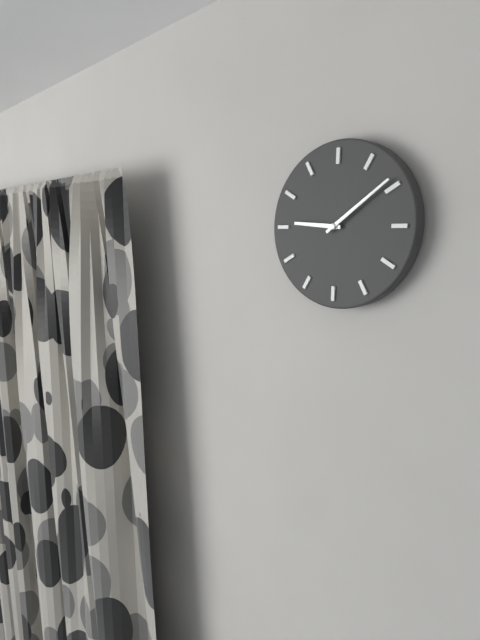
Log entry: {"hour": 9, "minute": 9}
